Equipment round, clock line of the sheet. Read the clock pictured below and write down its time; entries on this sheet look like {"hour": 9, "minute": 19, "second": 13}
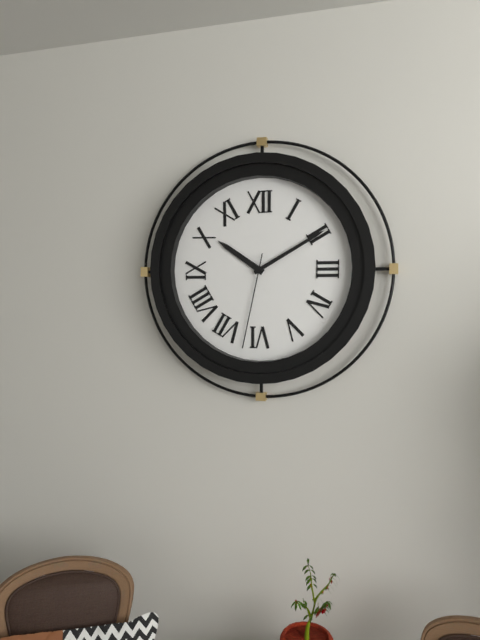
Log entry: {"hour": 10, "minute": 10, "second": 32}
